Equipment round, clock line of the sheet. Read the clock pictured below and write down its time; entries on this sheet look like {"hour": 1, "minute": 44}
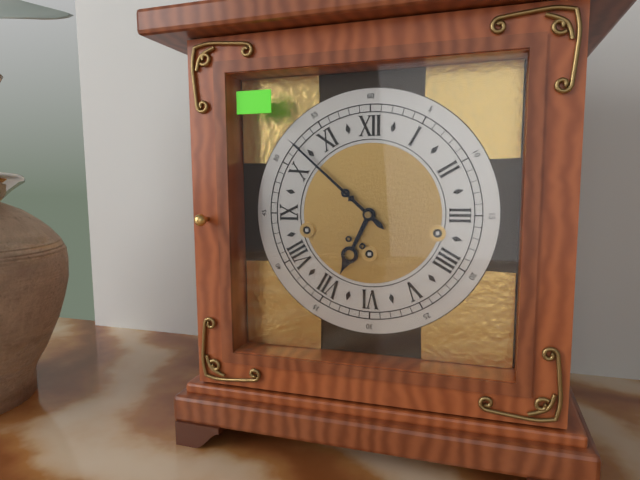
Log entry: {"hour": 6, "minute": 52}
